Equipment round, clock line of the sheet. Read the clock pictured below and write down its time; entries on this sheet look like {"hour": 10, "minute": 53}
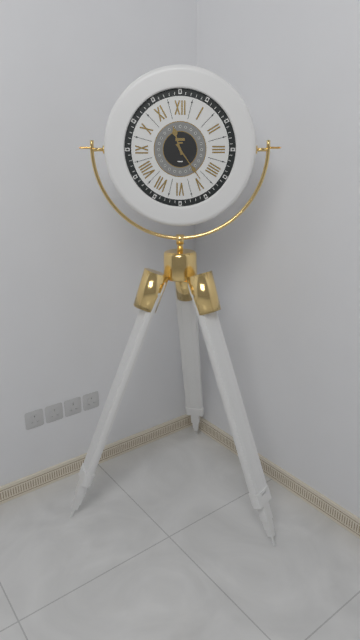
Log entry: {"hour": 11, "minute": 24}
